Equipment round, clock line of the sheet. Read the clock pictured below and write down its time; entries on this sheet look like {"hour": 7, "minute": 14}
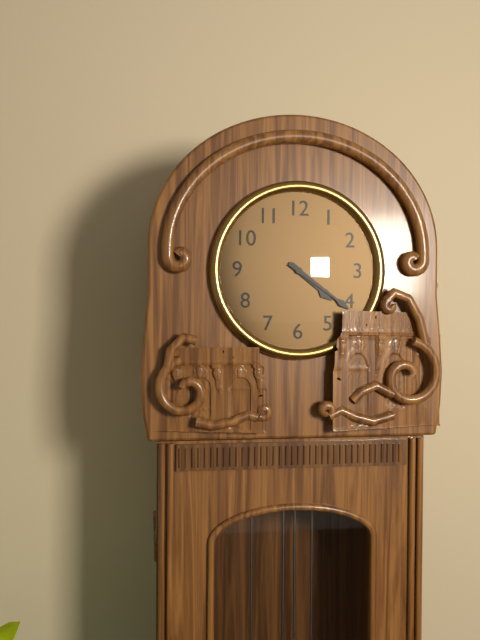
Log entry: {"hour": 4, "minute": 21}
